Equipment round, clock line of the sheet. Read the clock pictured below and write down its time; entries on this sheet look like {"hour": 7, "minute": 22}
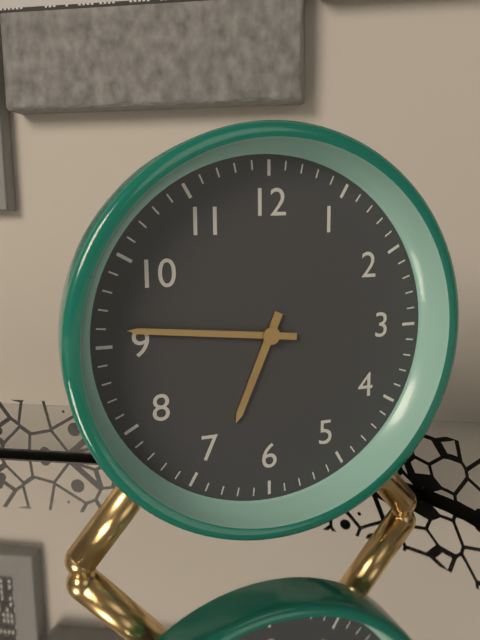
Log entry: {"hour": 6, "minute": 46}
